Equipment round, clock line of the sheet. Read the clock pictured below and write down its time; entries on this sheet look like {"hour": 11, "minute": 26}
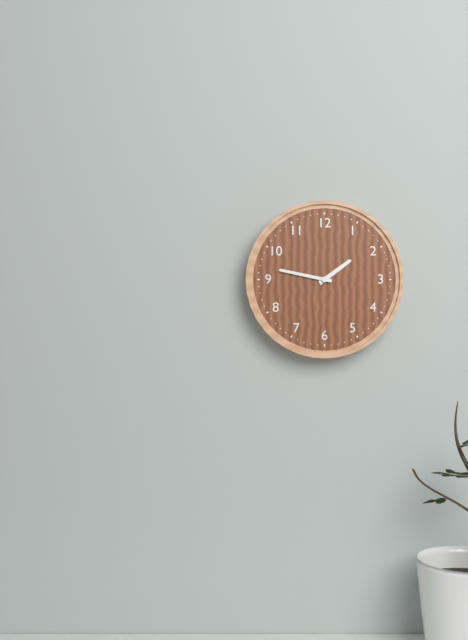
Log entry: {"hour": 1, "minute": 47}
